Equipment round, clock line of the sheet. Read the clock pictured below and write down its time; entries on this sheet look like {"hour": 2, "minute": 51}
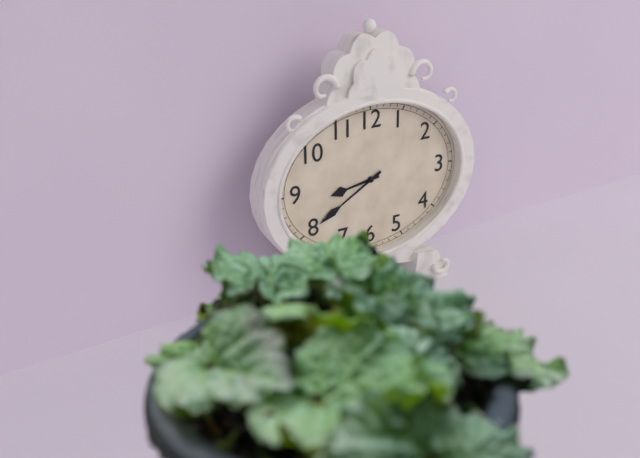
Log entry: {"hour": 8, "minute": 40}
